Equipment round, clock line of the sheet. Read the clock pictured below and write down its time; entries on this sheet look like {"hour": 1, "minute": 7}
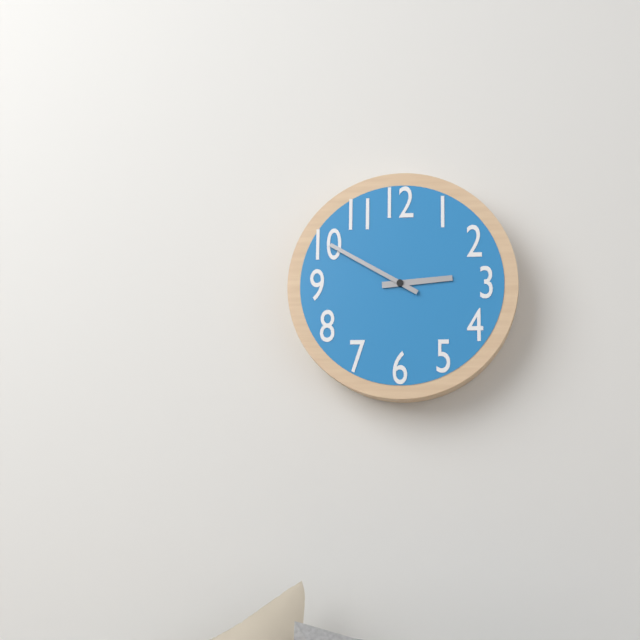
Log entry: {"hour": 2, "minute": 50}
